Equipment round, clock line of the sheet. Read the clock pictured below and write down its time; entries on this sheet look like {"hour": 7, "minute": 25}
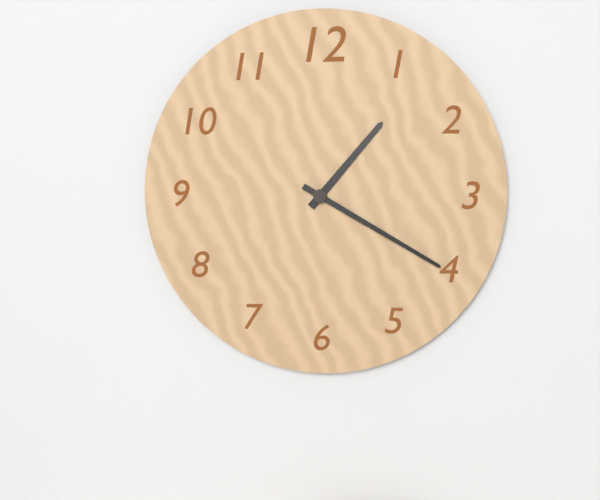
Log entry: {"hour": 1, "minute": 20}
